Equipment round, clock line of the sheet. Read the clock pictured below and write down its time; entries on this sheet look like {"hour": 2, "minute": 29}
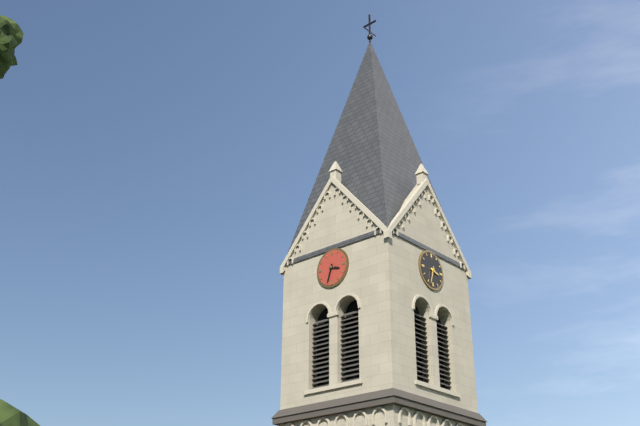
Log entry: {"hour": 3, "minute": 33}
